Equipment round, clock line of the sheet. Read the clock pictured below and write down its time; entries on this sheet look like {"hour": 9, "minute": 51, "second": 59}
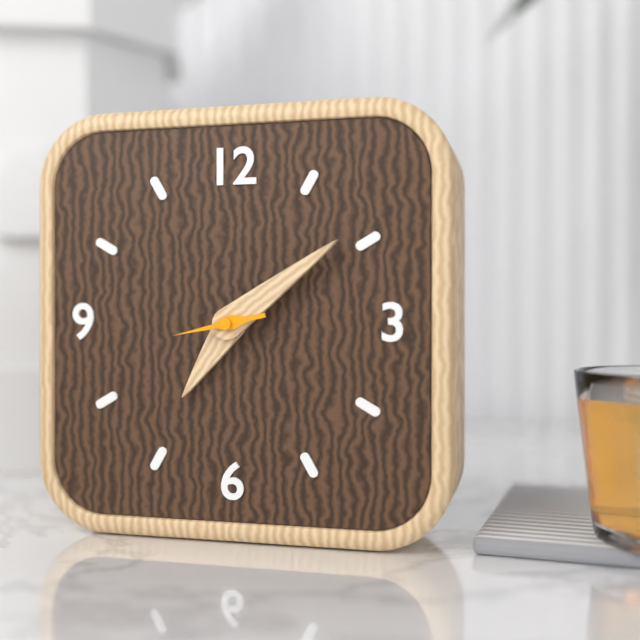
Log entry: {"hour": 7, "minute": 9, "second": 43}
